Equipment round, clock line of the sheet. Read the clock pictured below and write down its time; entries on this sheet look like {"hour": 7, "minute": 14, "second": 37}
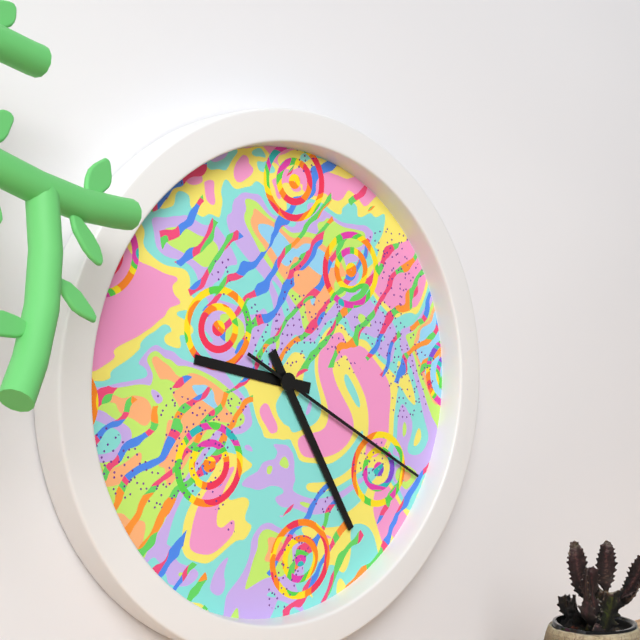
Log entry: {"hour": 9, "minute": 25, "second": 20}
